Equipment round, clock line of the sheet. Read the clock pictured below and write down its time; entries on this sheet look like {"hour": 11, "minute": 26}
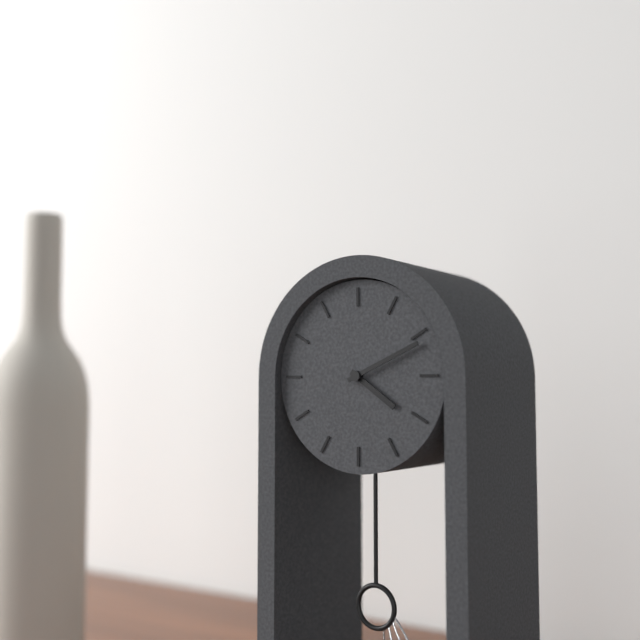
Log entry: {"hour": 4, "minute": 11}
